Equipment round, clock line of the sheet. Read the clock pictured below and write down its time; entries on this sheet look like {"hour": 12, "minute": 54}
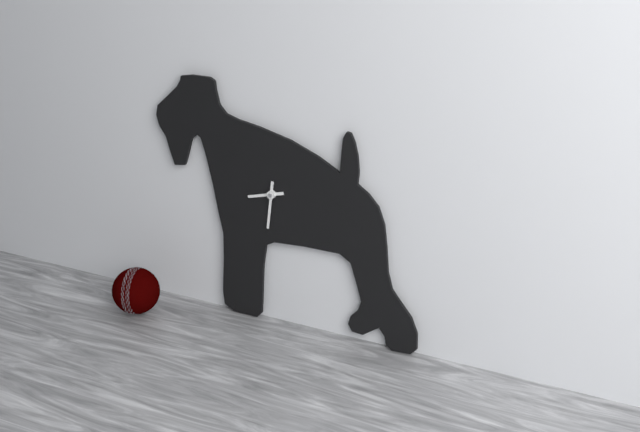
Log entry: {"hour": 8, "minute": 31}
